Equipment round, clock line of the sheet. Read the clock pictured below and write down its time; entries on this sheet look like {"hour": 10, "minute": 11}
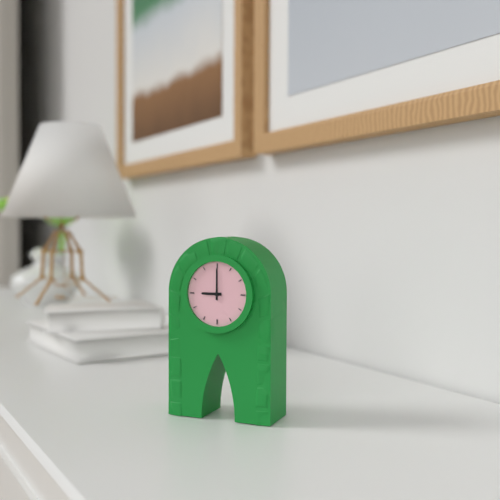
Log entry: {"hour": 9, "minute": 0}
